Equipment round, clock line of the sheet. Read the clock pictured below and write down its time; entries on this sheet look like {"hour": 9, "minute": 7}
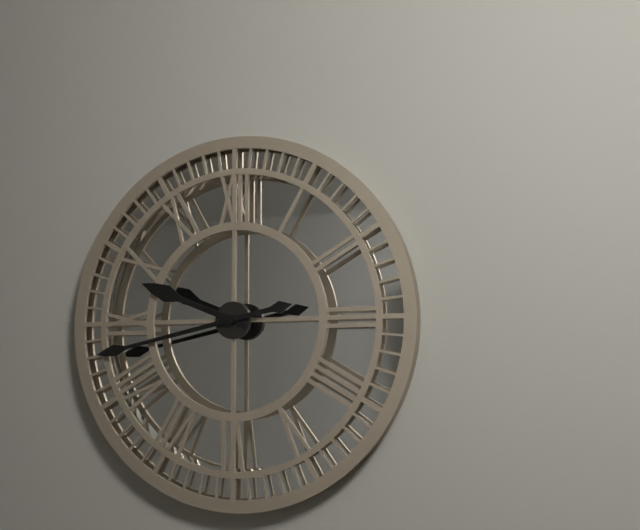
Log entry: {"hour": 9, "minute": 43}
